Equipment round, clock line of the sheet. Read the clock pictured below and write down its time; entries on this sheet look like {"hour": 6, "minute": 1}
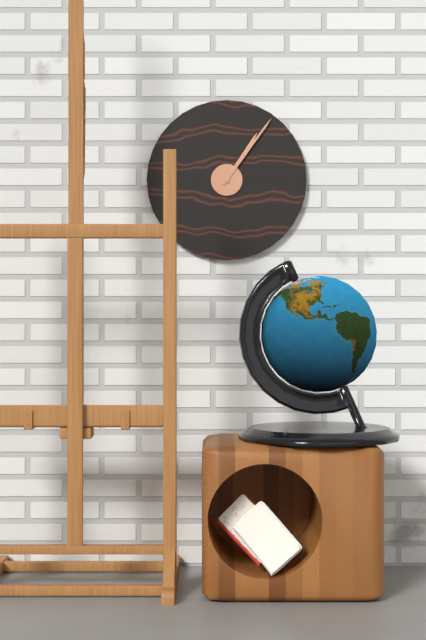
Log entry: {"hour": 1, "minute": 6}
